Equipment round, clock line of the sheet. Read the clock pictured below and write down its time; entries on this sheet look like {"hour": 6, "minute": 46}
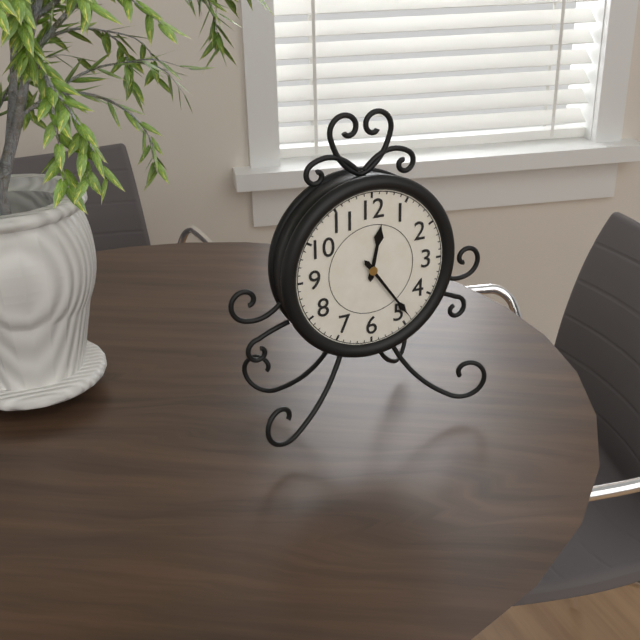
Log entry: {"hour": 12, "minute": 24}
